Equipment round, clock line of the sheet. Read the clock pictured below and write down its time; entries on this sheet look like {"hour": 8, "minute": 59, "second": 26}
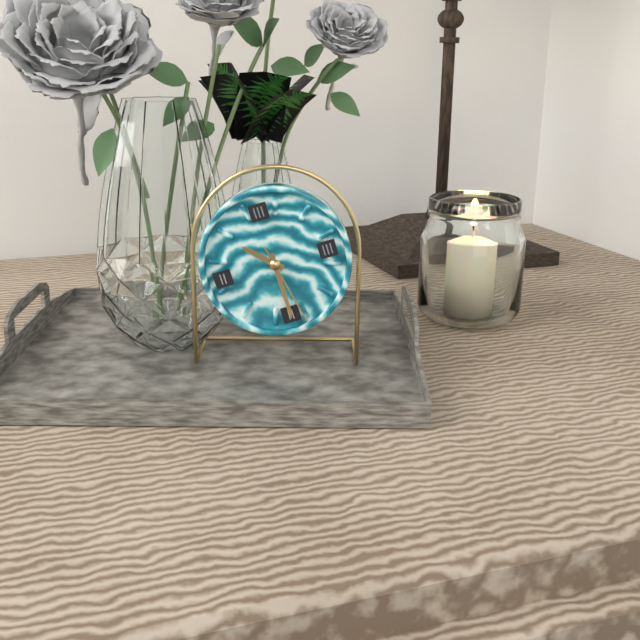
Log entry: {"hour": 10, "minute": 30, "second": 28}
